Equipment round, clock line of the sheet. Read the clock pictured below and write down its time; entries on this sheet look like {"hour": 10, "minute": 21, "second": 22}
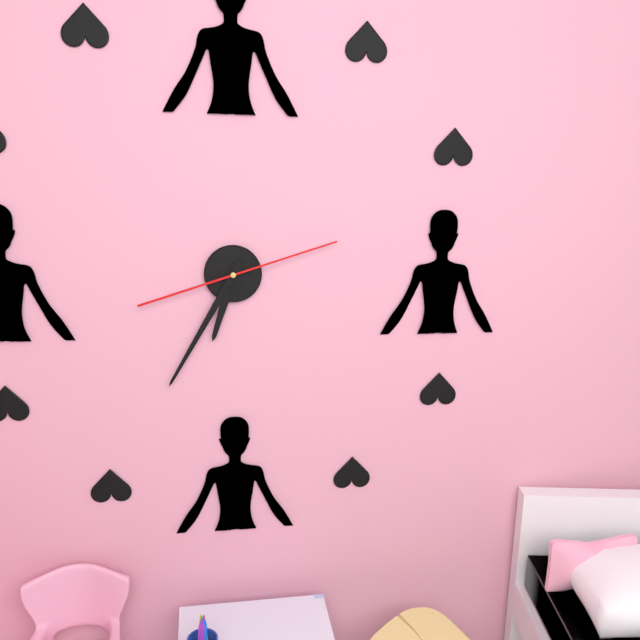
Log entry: {"hour": 6, "minute": 35, "second": 12}
